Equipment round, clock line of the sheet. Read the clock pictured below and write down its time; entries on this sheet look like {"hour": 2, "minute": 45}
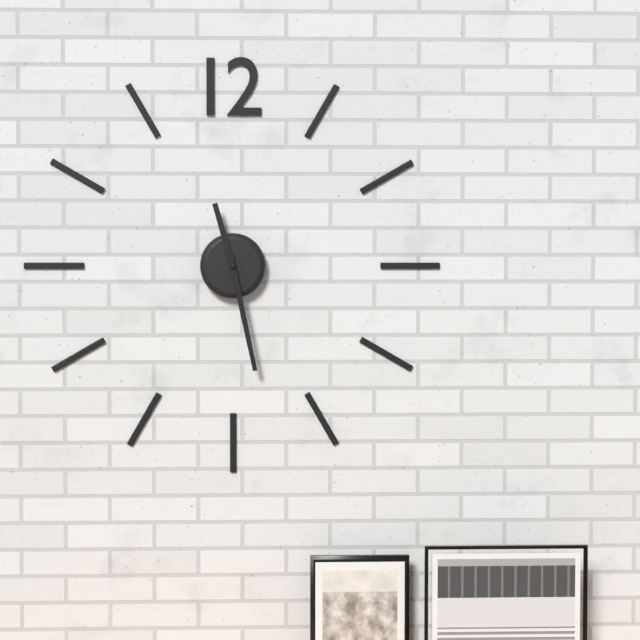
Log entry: {"hour": 11, "minute": 28}
